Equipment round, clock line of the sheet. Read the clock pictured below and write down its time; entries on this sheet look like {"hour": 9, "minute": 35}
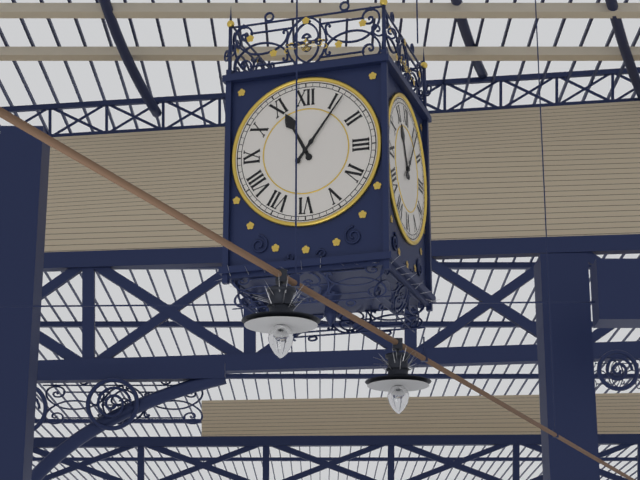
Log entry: {"hour": 11, "minute": 6}
